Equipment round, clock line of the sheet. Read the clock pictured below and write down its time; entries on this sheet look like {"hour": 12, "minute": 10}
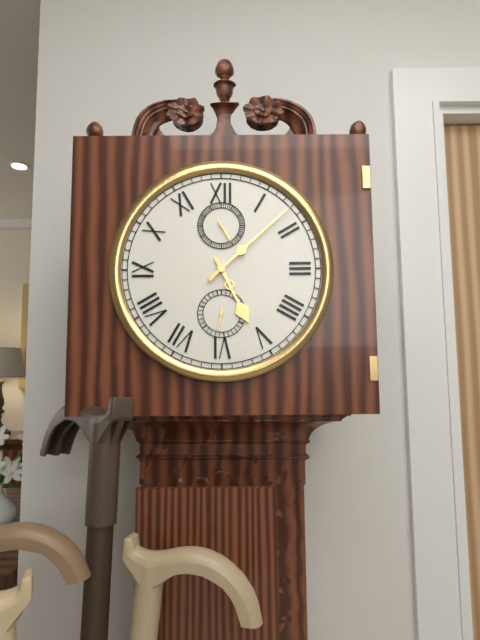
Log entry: {"hour": 5, "minute": 8}
